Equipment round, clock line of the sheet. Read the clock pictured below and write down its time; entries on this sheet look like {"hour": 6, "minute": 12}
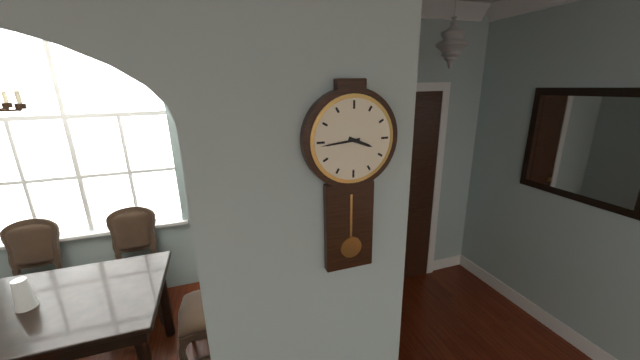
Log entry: {"hour": 3, "minute": 44}
